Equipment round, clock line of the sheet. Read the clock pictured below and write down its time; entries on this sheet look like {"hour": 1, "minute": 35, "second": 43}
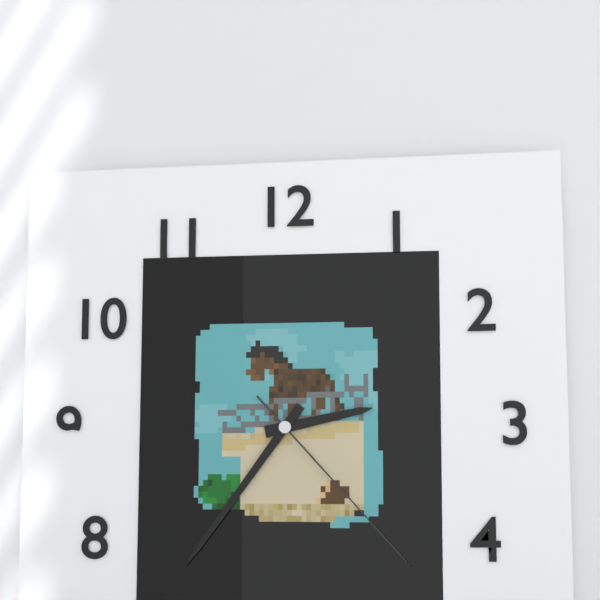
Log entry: {"hour": 2, "minute": 36, "second": 23}
